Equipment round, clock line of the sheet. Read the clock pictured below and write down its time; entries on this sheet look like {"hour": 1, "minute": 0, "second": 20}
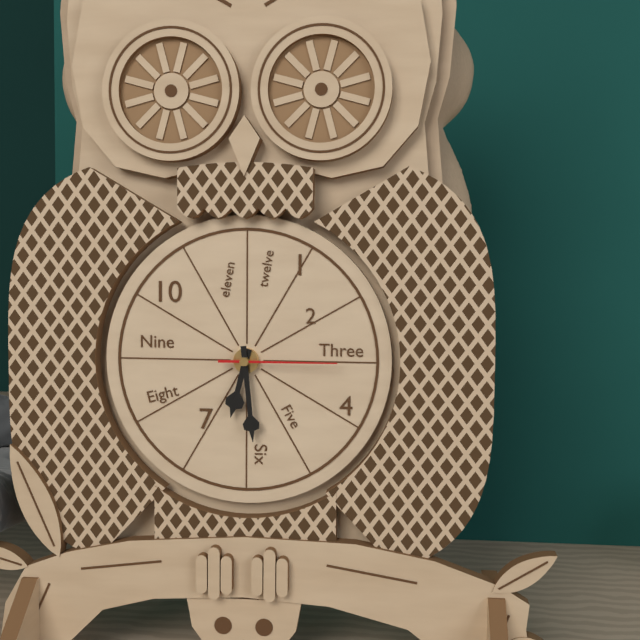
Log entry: {"hour": 6, "minute": 29, "second": 15}
